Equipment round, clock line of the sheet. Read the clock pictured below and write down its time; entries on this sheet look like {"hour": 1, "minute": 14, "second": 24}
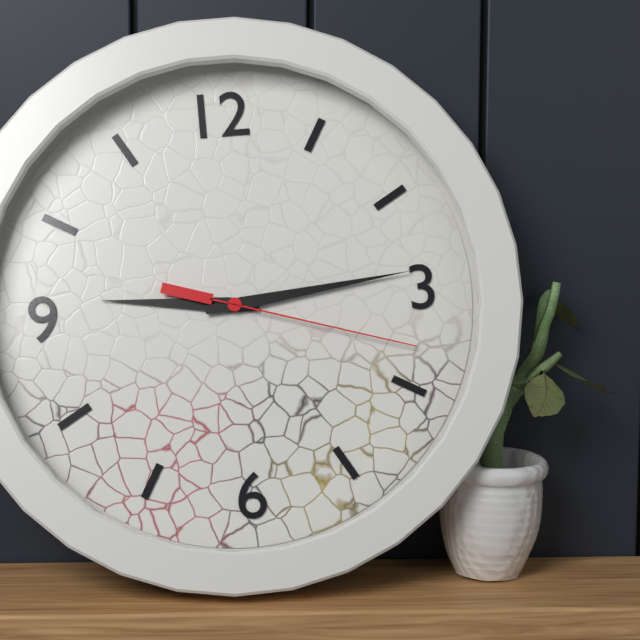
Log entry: {"hour": 9, "minute": 14, "second": 18}
